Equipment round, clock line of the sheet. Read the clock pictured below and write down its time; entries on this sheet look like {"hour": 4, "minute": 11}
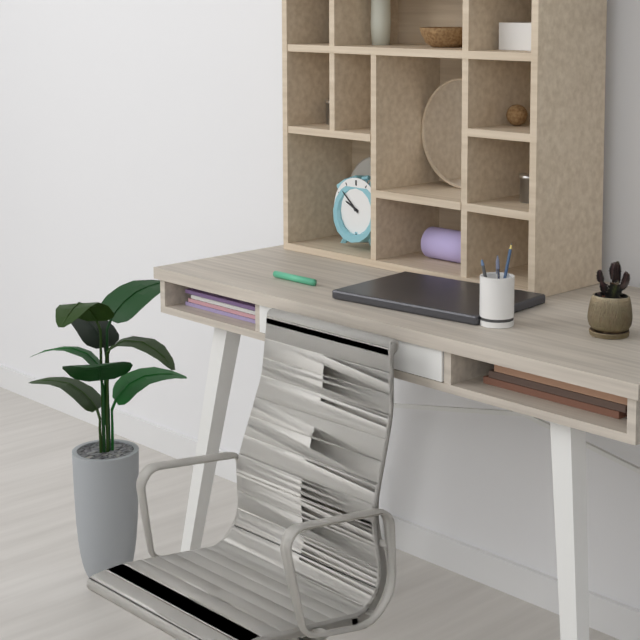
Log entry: {"hour": 9, "minute": 52}
